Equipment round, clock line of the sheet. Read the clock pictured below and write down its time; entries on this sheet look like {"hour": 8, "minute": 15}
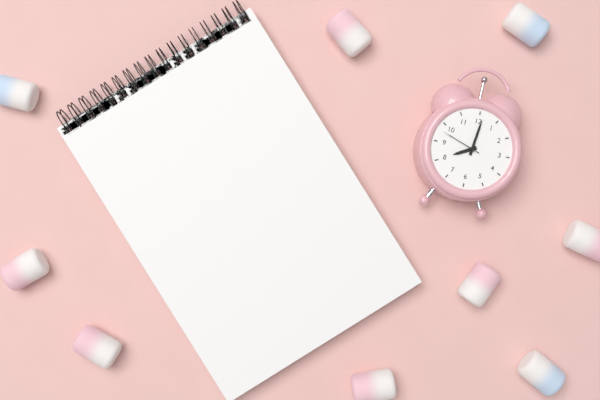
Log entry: {"hour": 8, "minute": 1}
